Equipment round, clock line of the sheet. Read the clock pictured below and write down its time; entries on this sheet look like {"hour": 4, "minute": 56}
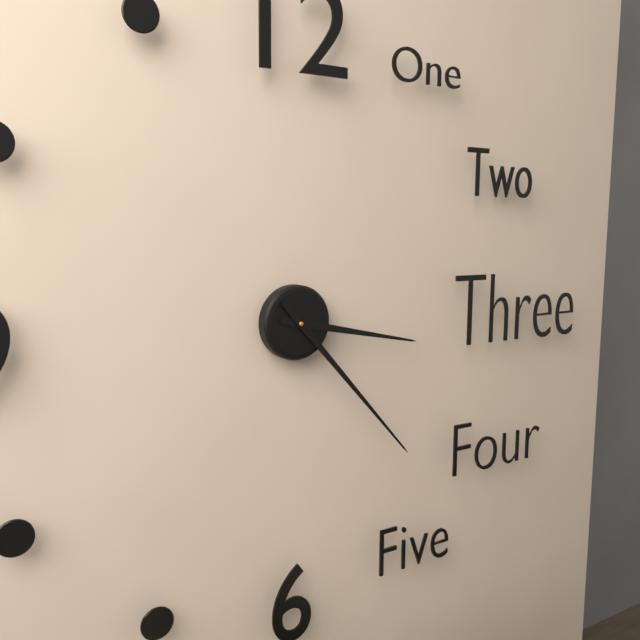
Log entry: {"hour": 3, "minute": 23}
